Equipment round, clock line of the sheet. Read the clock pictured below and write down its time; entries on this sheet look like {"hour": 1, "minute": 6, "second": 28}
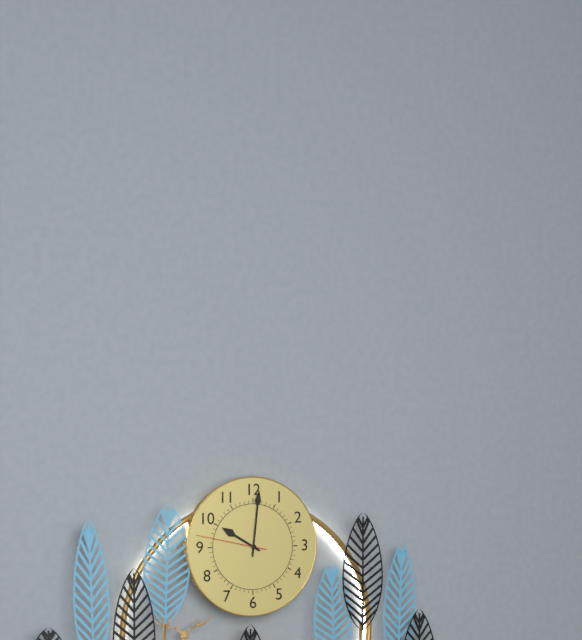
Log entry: {"hour": 10, "minute": 1, "second": 47}
